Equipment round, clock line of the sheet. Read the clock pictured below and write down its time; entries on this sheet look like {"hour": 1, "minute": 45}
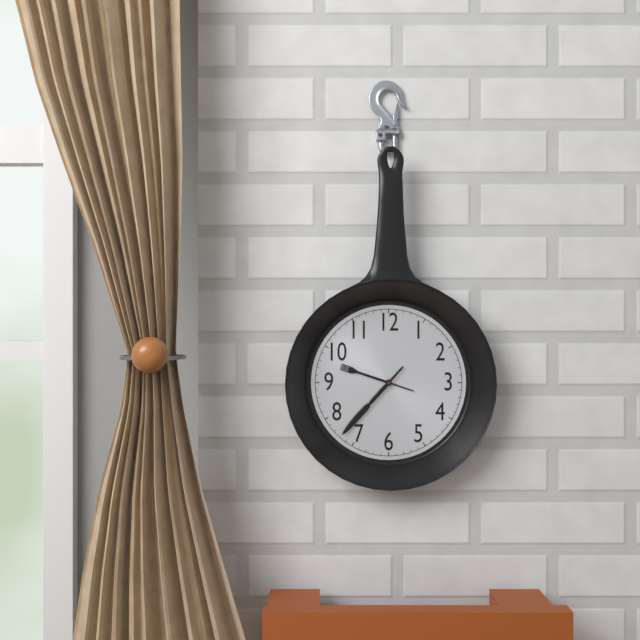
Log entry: {"hour": 9, "minute": 37}
